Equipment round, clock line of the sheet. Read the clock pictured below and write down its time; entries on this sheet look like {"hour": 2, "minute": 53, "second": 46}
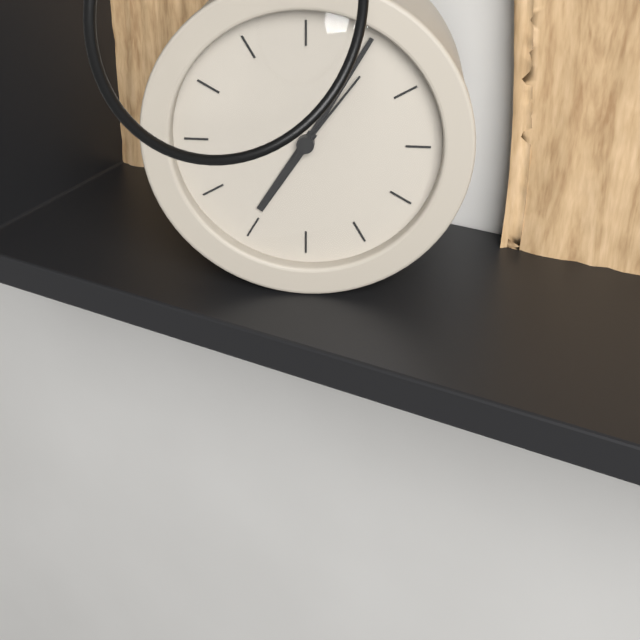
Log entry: {"hour": 7, "minute": 5, "second": 6}
